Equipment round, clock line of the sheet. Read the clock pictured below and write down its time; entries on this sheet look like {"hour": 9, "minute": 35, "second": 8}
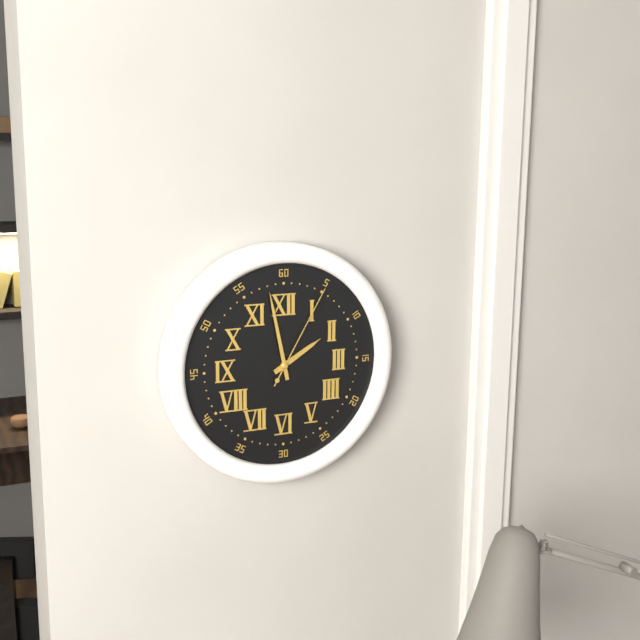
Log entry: {"hour": 1, "minute": 58, "second": 5}
